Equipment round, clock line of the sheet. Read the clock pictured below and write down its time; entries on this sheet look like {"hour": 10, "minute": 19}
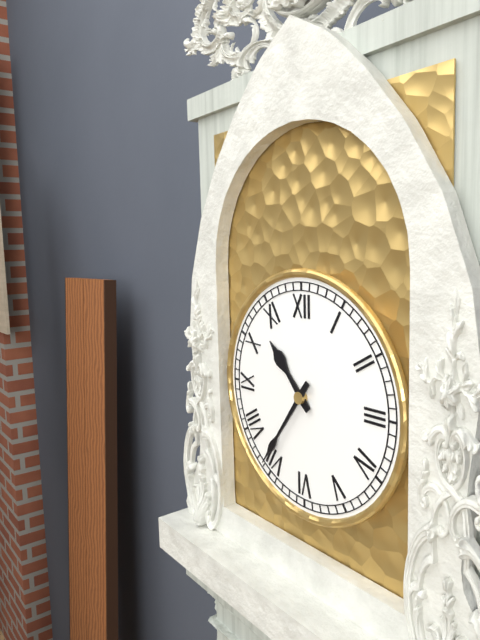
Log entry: {"hour": 10, "minute": 36}
